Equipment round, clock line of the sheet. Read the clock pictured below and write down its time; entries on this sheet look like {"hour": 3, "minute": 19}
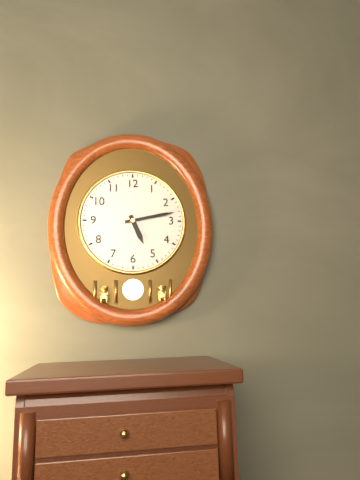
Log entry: {"hour": 5, "minute": 13}
